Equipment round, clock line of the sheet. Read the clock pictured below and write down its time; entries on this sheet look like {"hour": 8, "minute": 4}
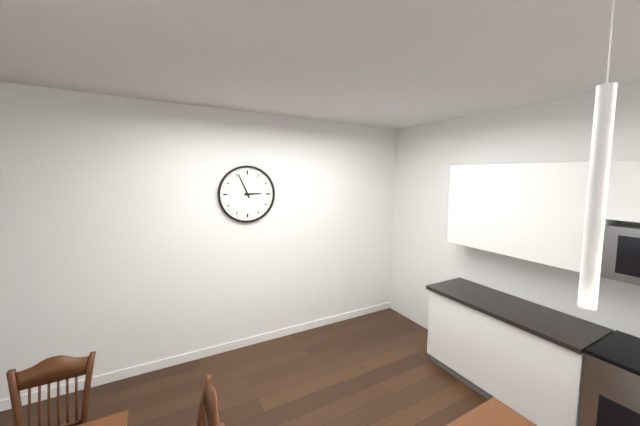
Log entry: {"hour": 2, "minute": 56}
